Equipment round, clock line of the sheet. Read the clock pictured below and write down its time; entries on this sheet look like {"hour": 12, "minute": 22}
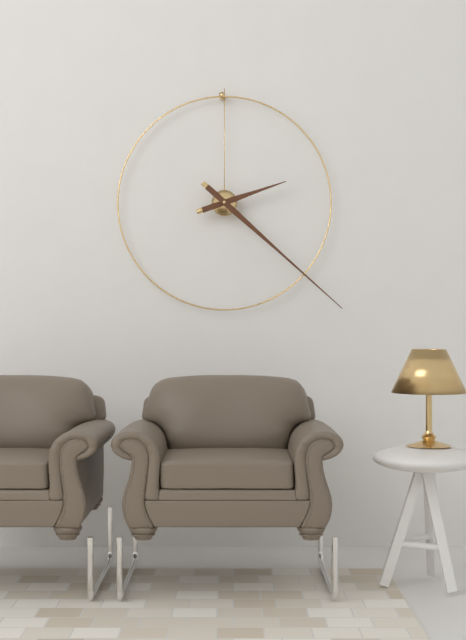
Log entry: {"hour": 2, "minute": 22}
